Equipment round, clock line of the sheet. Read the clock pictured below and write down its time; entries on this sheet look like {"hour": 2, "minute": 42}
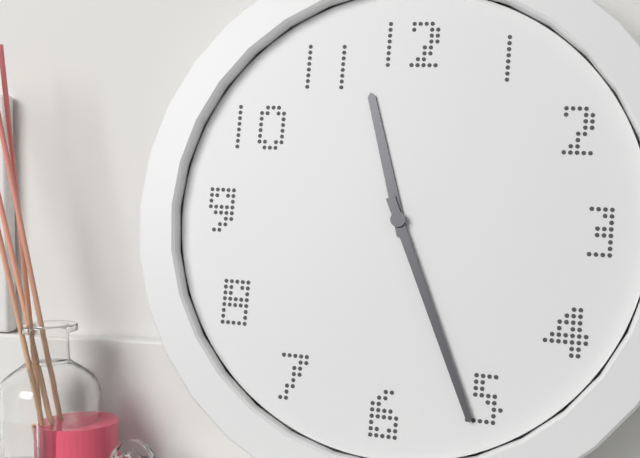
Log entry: {"hour": 11, "minute": 26}
